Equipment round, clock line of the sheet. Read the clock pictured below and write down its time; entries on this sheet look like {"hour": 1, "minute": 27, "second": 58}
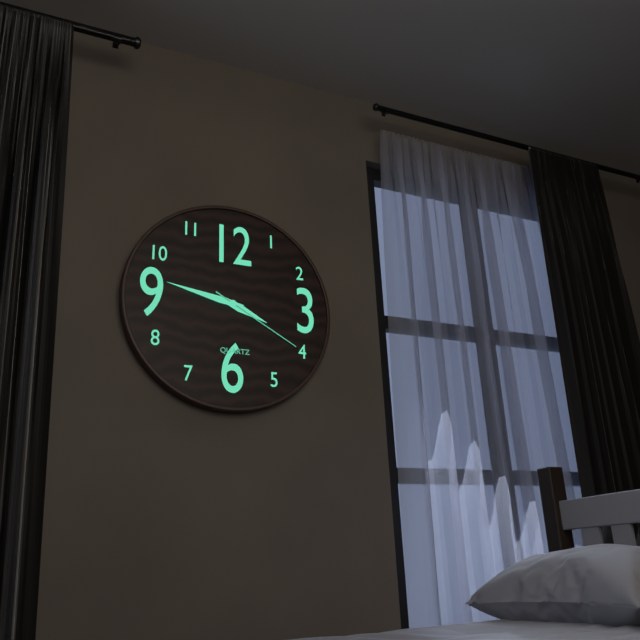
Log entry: {"hour": 3, "minute": 47, "second": 20}
